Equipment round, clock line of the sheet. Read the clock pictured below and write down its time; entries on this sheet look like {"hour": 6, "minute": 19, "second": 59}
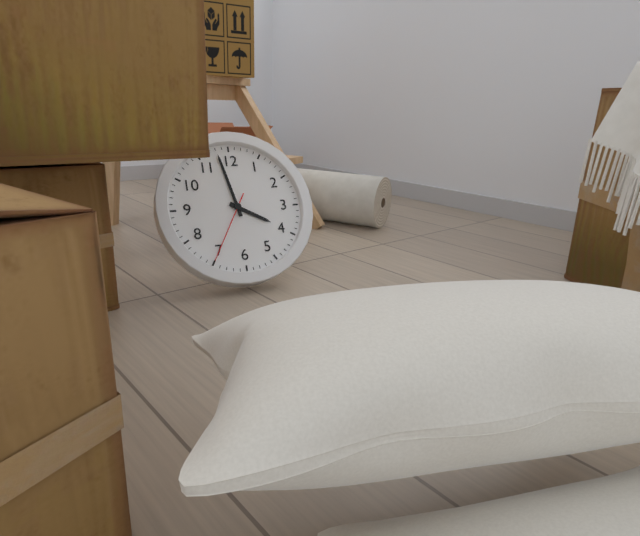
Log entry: {"hour": 3, "minute": 58, "second": 35}
